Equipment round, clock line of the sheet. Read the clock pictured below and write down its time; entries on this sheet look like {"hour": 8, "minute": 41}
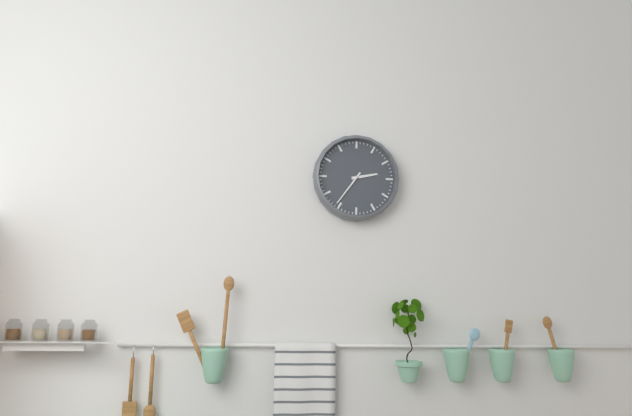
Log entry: {"hour": 2, "minute": 36}
